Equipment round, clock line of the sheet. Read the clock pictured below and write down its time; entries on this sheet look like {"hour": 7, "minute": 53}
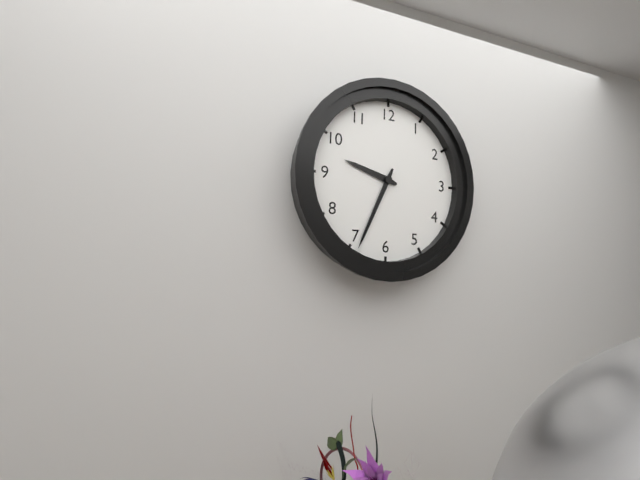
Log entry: {"hour": 9, "minute": 34}
